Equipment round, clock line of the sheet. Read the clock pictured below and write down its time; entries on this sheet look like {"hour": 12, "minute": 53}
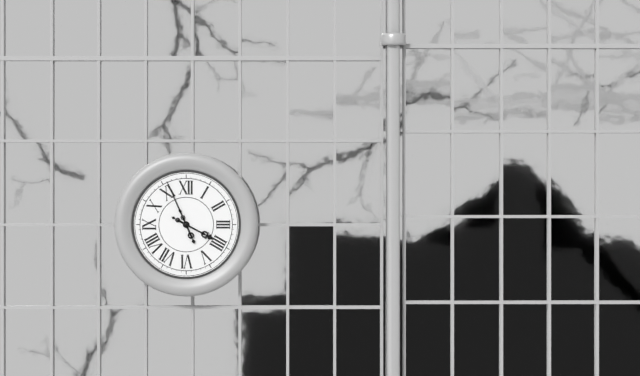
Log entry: {"hour": 3, "minute": 56}
